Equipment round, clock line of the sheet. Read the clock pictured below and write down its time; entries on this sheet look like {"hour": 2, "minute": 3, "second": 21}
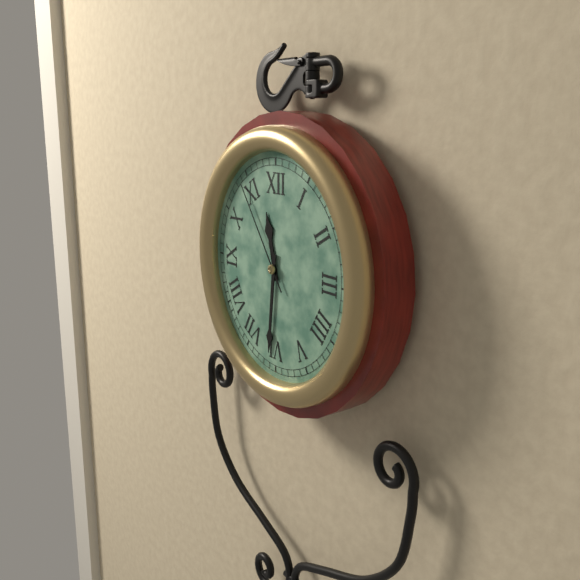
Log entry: {"hour": 11, "minute": 31, "second": 54}
